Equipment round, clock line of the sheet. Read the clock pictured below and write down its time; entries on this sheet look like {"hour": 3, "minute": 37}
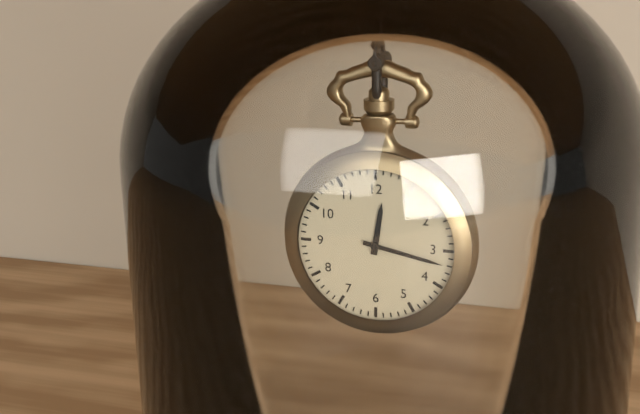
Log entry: {"hour": 12, "minute": 17}
